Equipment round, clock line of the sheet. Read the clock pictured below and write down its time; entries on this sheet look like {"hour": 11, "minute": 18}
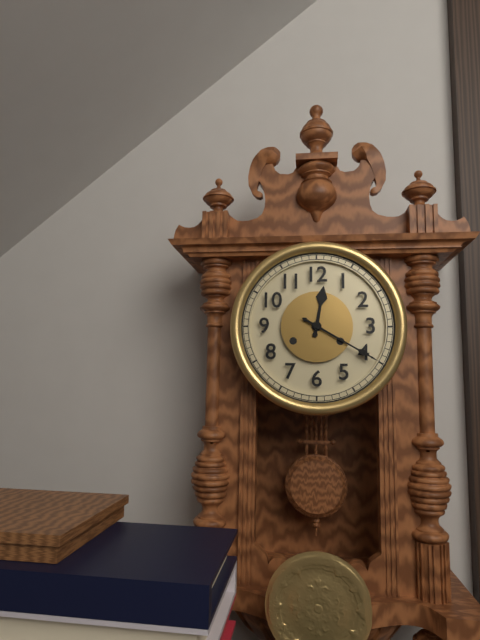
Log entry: {"hour": 12, "minute": 20}
